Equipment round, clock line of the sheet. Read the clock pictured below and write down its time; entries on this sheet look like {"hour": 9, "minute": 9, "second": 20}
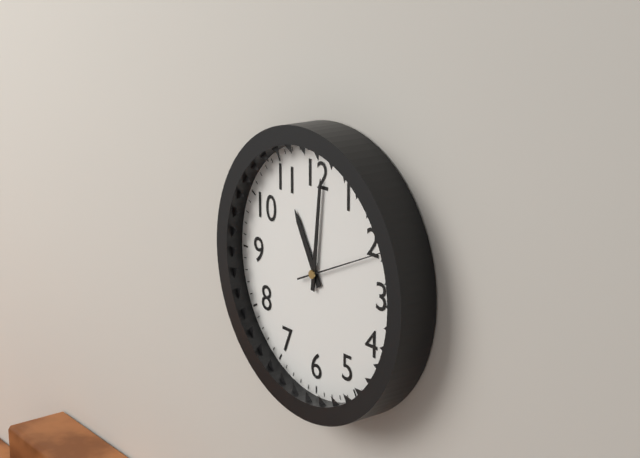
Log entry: {"hour": 11, "minute": 1, "second": 11}
